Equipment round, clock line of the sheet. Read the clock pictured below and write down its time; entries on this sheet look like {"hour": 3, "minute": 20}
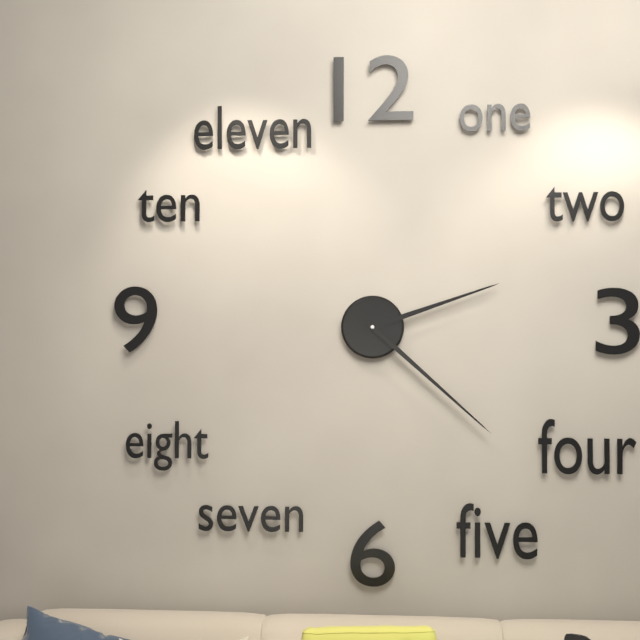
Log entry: {"hour": 2, "minute": 22}
